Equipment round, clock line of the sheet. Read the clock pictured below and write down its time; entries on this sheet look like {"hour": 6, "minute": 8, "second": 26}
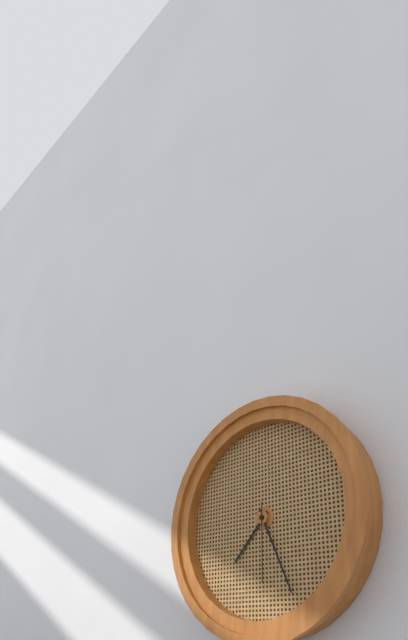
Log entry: {"hour": 7, "minute": 26, "second": 30}
